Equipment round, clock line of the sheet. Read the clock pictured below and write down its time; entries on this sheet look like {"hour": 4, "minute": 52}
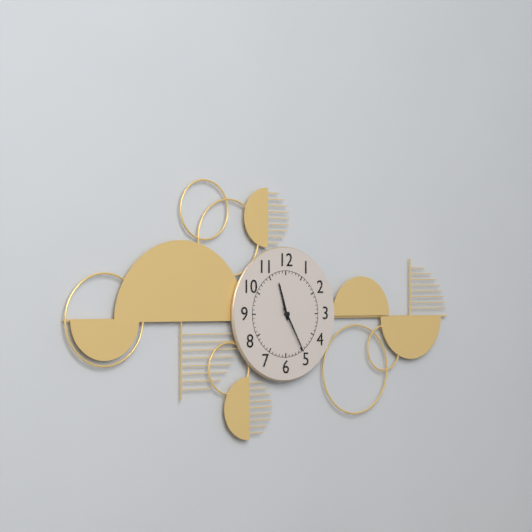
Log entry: {"hour": 11, "minute": 25}
